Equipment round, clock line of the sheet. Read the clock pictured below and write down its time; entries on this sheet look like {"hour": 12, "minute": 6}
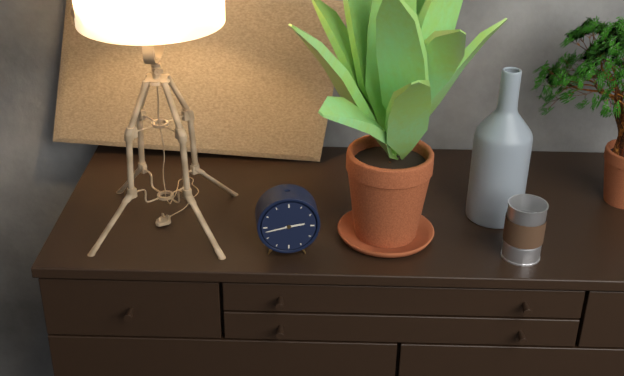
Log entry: {"hour": 2, "minute": 43}
